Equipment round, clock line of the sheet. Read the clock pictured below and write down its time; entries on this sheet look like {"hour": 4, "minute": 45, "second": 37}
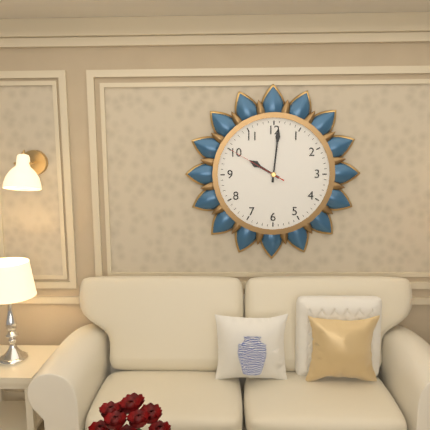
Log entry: {"hour": 10, "minute": 1, "second": 50}
